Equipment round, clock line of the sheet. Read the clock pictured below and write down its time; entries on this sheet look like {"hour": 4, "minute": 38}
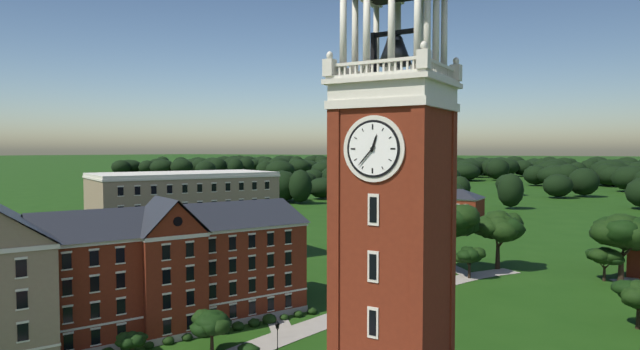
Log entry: {"hour": 12, "minute": 37}
